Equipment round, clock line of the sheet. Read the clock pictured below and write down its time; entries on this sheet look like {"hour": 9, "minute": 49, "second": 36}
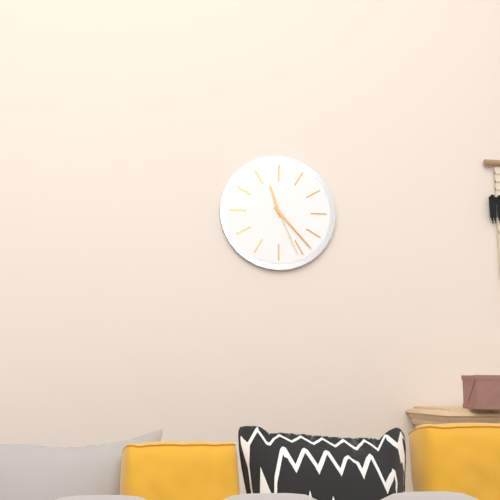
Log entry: {"hour": 11, "minute": 23, "second": 26}
